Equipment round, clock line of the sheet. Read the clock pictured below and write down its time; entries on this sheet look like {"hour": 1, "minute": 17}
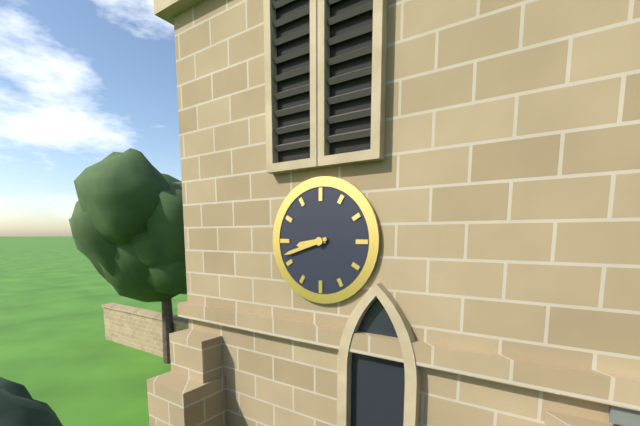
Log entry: {"hour": 8, "minute": 42}
